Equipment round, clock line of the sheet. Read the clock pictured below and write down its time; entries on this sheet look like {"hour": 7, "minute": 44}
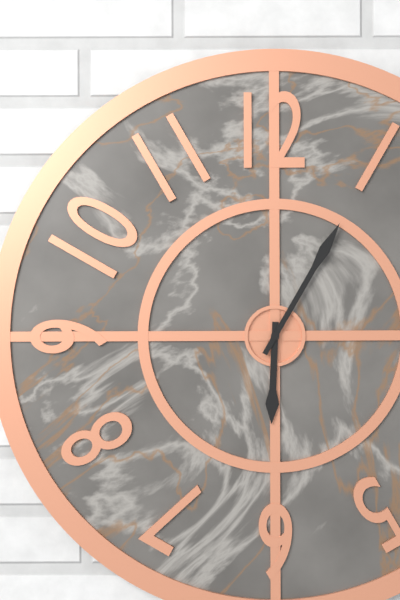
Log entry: {"hour": 6, "minute": 5}
